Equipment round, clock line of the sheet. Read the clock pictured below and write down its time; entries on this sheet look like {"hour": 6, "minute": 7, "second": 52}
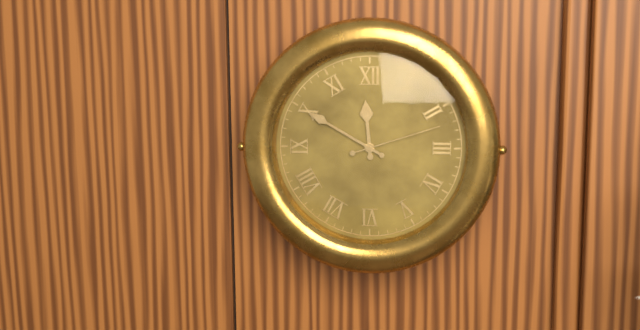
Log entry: {"hour": 11, "minute": 50, "second": 12}
